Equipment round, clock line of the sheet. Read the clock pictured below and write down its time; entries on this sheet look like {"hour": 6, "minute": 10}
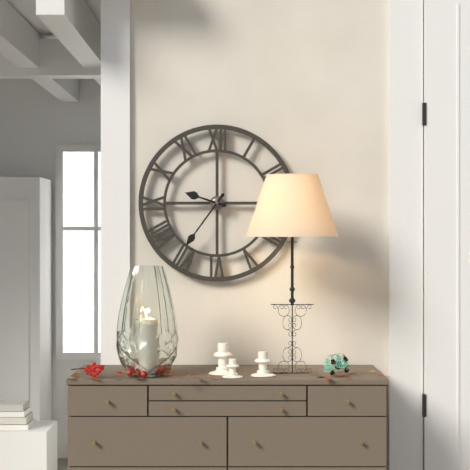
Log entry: {"hour": 9, "minute": 36}
